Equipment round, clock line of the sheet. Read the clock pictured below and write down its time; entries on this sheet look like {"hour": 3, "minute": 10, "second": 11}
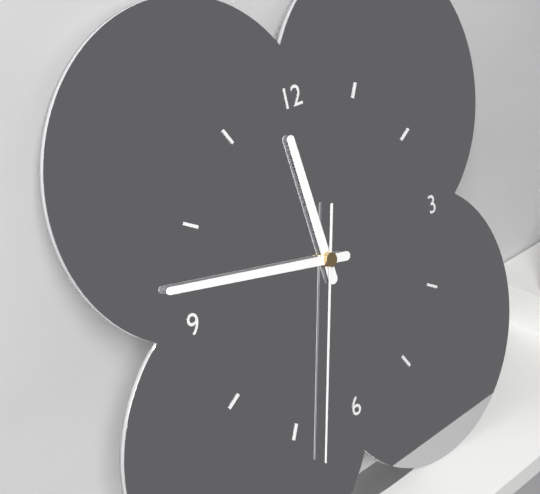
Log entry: {"hour": 11, "minute": 47, "second": 33}
